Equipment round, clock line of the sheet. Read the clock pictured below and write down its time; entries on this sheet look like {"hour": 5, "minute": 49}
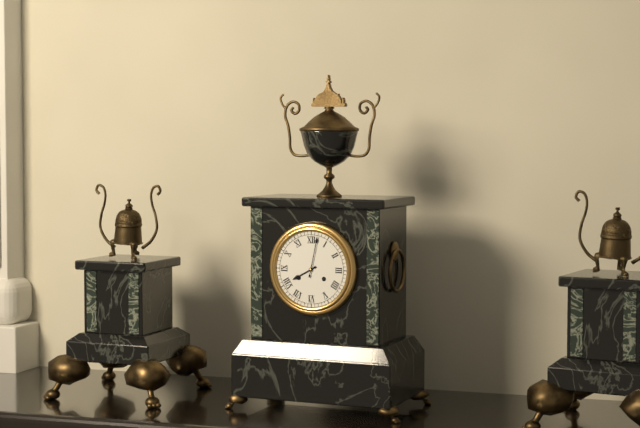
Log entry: {"hour": 8, "minute": 2}
